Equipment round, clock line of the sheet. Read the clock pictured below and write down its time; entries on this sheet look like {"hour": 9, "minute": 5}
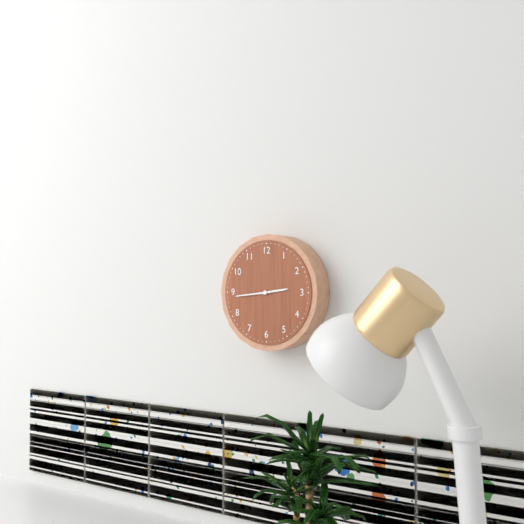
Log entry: {"hour": 2, "minute": 44}
